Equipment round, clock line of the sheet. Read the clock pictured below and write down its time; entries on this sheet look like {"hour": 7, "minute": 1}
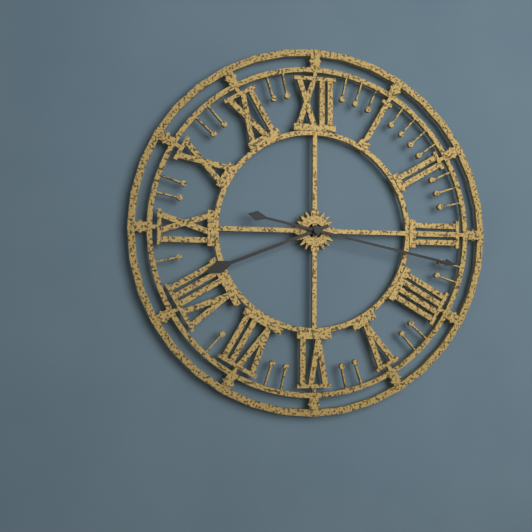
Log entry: {"hour": 8, "minute": 17}
